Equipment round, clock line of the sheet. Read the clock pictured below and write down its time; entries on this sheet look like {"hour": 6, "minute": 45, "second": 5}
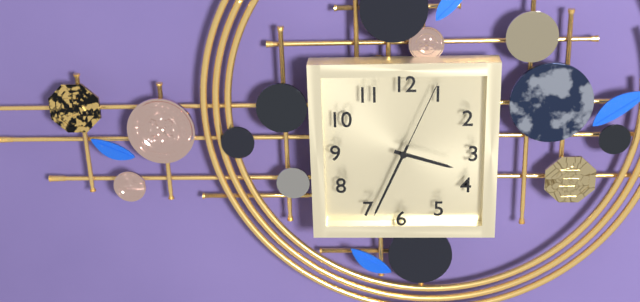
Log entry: {"hour": 3, "minute": 34, "second": 4}
